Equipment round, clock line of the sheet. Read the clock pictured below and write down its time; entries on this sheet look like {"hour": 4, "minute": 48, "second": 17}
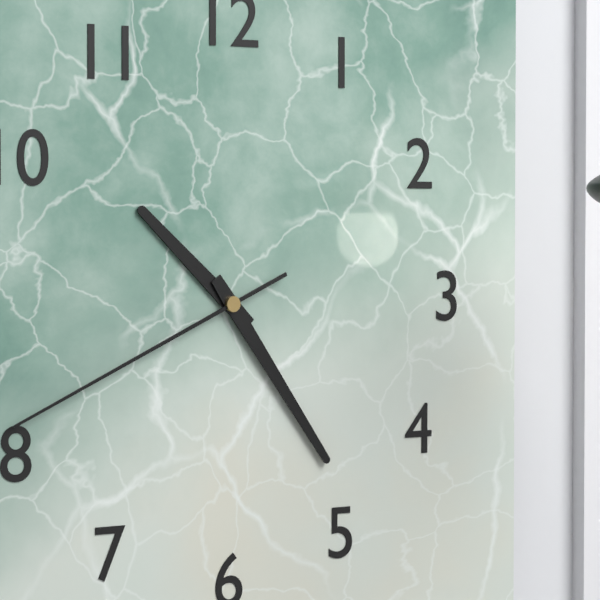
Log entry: {"hour": 10, "minute": 24, "second": 41}
